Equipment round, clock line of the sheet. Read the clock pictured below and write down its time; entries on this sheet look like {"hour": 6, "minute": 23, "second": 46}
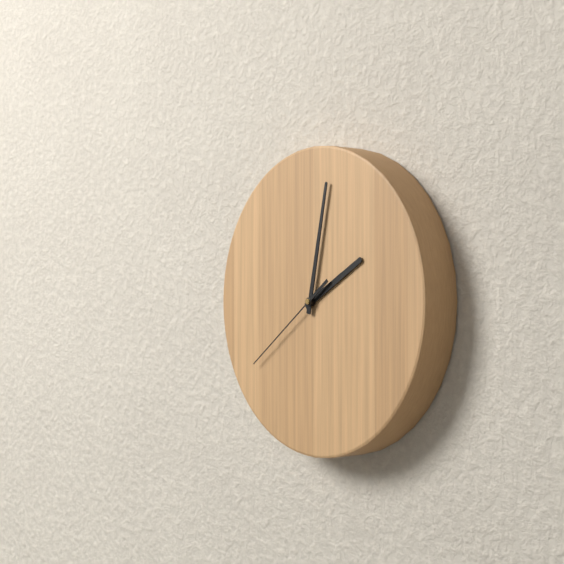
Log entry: {"hour": 2, "minute": 2, "second": 39}
